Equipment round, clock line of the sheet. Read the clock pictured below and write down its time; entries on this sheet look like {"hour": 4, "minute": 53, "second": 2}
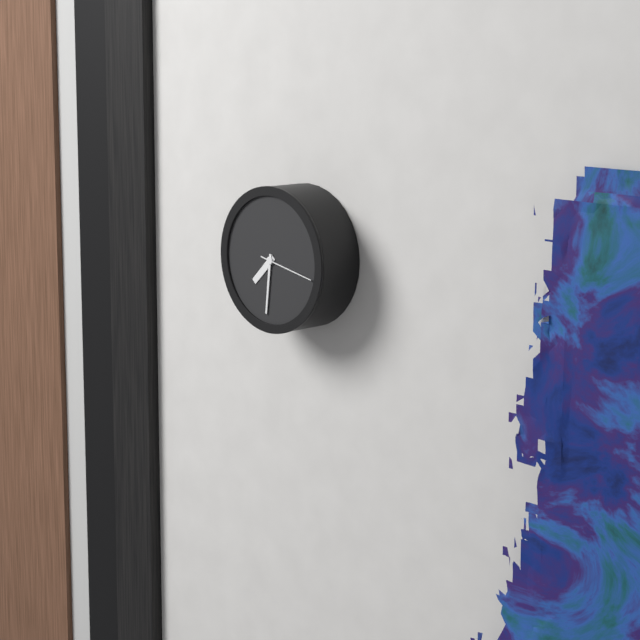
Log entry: {"hour": 7, "minute": 31, "second": 17}
